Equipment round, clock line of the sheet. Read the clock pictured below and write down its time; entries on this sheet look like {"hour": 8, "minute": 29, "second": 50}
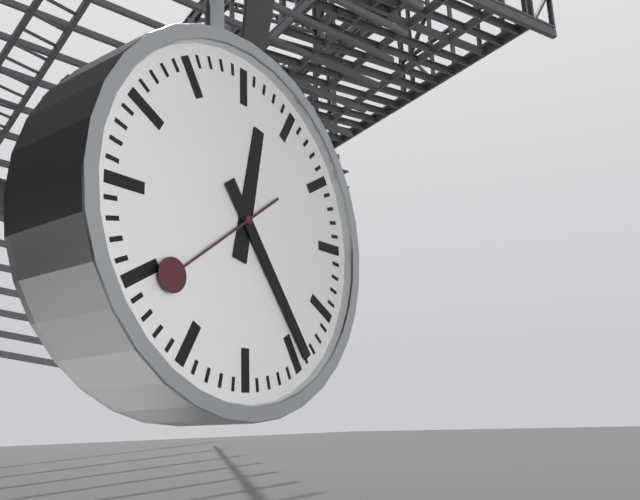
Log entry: {"hour": 12, "minute": 24, "second": 39}
